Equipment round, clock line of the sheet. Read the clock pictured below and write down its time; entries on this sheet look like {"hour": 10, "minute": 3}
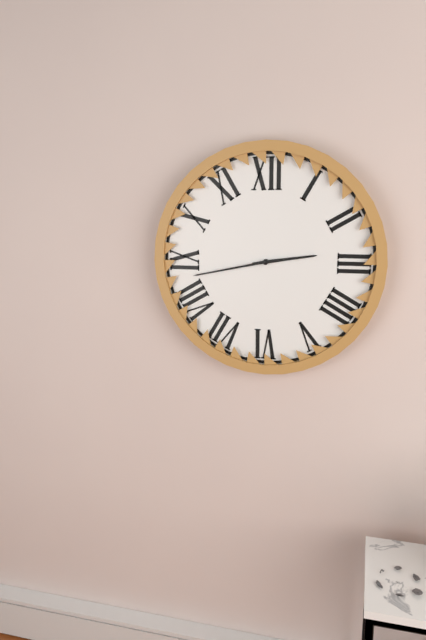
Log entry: {"hour": 2, "minute": 43}
